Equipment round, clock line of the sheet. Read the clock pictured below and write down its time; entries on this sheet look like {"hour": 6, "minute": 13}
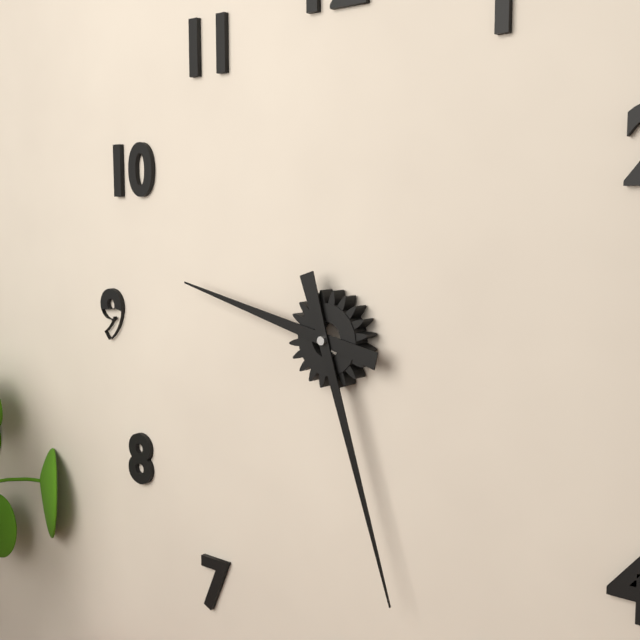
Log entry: {"hour": 9, "minute": 27}
